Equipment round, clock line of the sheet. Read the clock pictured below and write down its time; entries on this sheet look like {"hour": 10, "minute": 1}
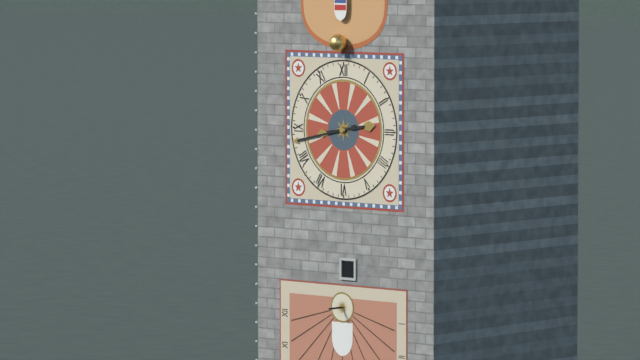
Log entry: {"hour": 2, "minute": 43}
